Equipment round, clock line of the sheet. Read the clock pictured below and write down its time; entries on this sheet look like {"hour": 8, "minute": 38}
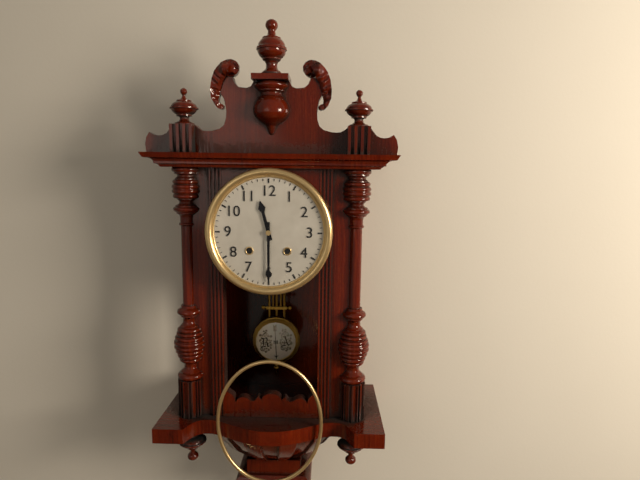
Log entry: {"hour": 11, "minute": 30}
